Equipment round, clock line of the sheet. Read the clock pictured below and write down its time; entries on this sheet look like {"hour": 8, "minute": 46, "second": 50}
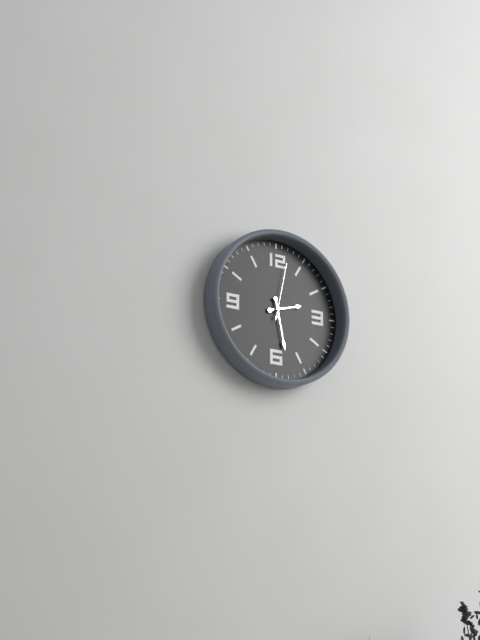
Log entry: {"hour": 2, "minute": 28, "second": 2}
